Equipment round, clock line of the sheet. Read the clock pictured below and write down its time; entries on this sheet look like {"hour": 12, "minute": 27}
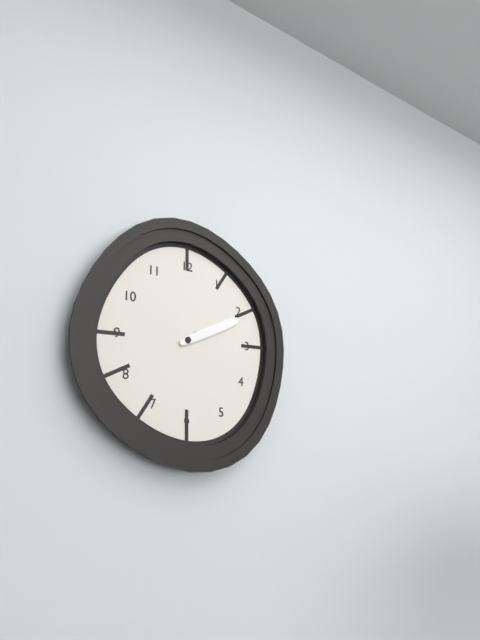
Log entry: {"hour": 2, "minute": 11}
